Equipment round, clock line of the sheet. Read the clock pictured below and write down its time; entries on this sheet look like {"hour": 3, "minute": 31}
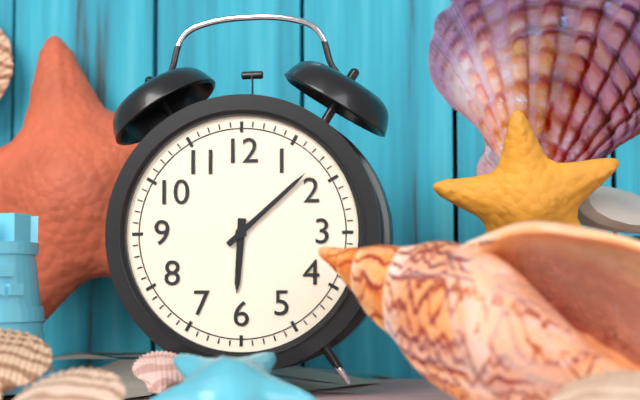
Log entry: {"hour": 6, "minute": 8}
